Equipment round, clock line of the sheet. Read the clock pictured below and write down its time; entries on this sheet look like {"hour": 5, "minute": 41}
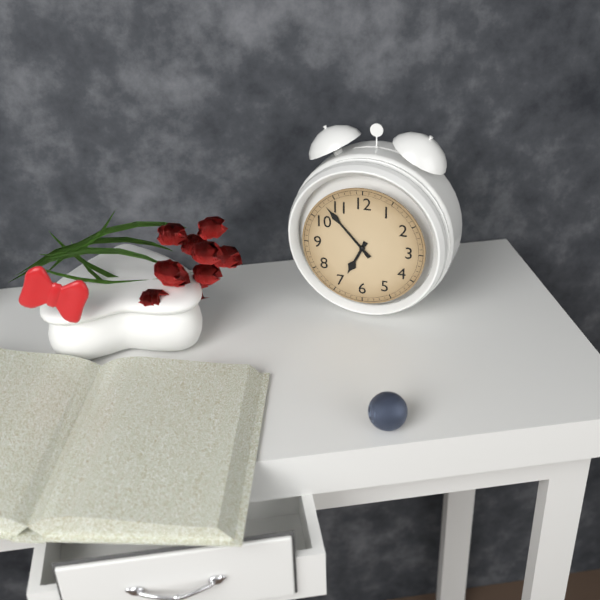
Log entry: {"hour": 6, "minute": 53}
